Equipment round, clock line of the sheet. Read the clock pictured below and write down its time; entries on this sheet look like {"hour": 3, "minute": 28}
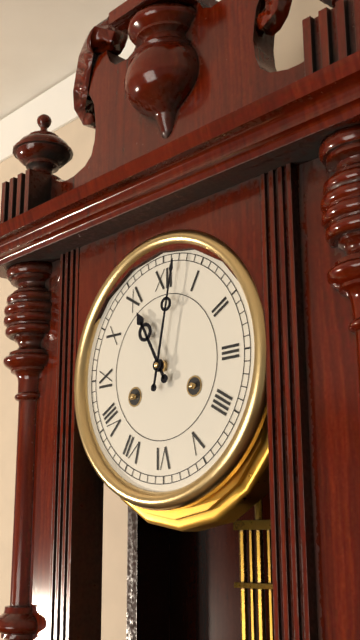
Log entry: {"hour": 11, "minute": 2}
